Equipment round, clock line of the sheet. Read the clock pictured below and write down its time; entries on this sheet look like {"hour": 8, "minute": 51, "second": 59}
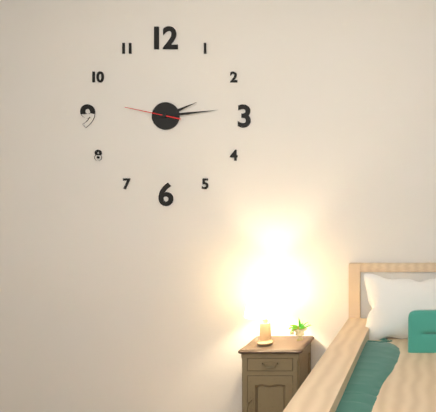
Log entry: {"hour": 2, "minute": 14, "second": 47}
